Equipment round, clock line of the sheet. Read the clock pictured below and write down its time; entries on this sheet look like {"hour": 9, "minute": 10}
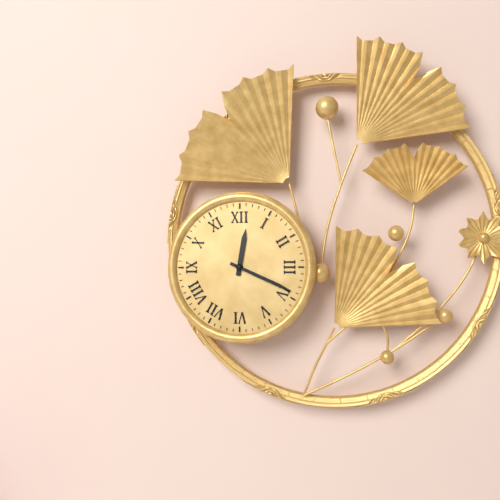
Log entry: {"hour": 12, "minute": 19}
